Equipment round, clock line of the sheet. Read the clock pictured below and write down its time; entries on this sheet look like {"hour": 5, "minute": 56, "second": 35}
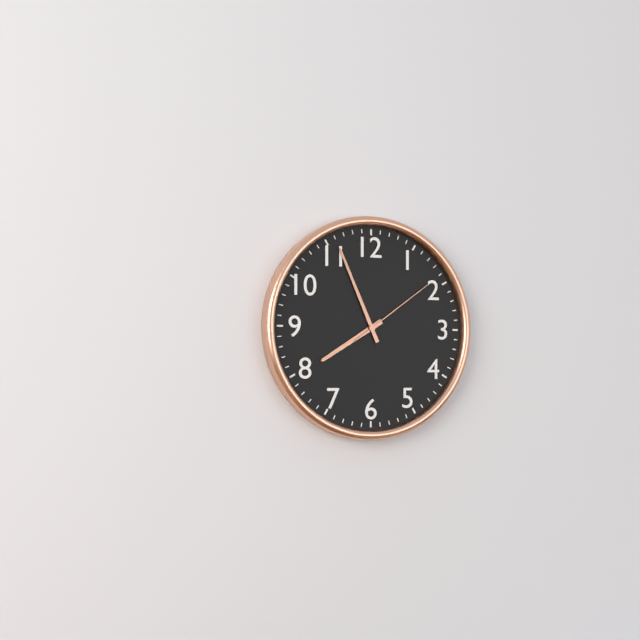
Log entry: {"hour": 7, "minute": 56, "second": 9}
